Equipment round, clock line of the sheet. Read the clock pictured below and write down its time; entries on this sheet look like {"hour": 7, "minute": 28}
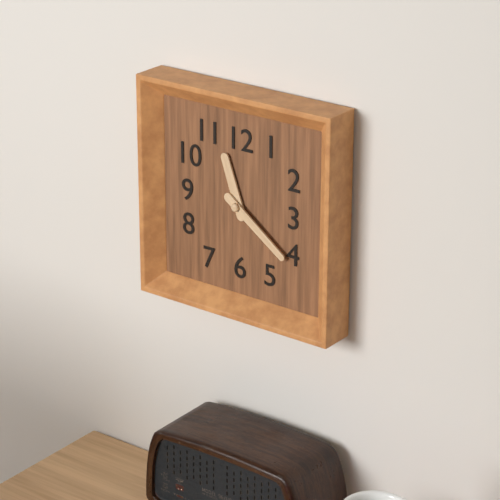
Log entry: {"hour": 11, "minute": 21}
